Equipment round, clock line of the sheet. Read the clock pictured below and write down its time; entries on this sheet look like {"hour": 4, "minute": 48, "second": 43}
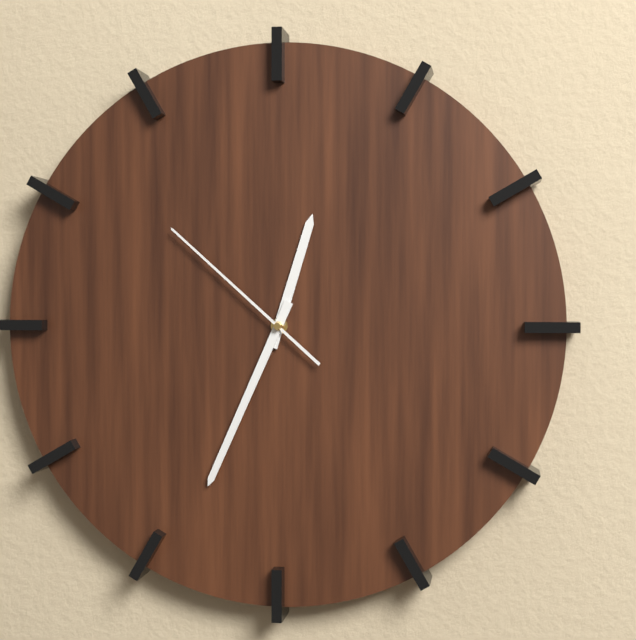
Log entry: {"hour": 12, "minute": 34, "second": 52}
